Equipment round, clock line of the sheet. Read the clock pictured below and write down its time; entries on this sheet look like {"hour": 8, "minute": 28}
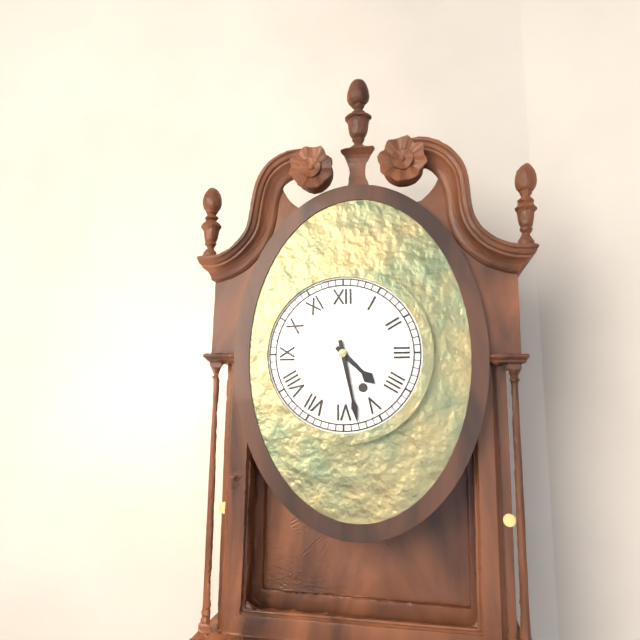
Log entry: {"hour": 4, "minute": 28}
